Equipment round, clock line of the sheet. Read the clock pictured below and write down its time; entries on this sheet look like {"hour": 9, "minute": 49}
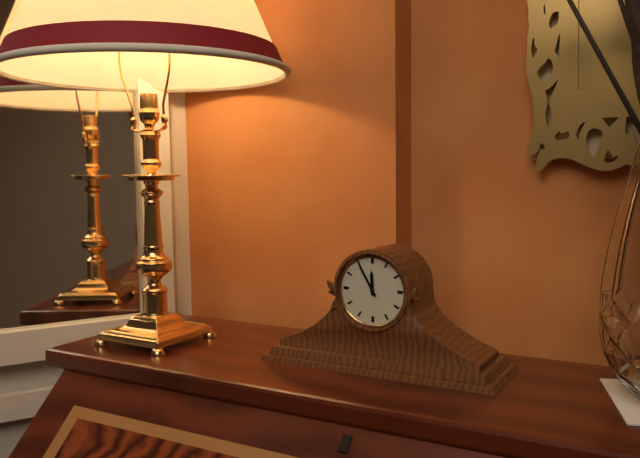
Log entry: {"hour": 11, "minute": 55}
